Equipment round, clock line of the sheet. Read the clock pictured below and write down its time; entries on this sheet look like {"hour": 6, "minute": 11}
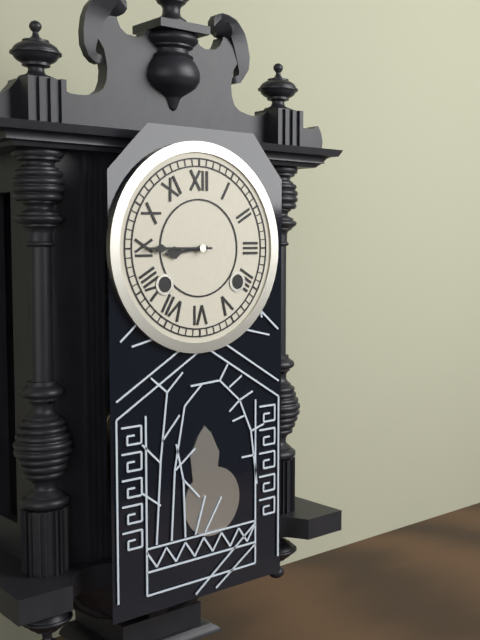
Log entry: {"hour": 8, "minute": 45}
